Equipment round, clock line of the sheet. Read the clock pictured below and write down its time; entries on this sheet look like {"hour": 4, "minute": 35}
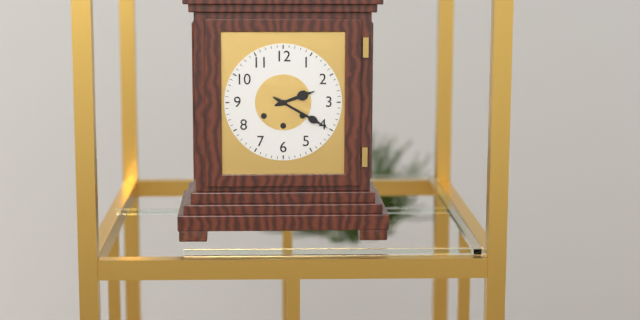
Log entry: {"hour": 2, "minute": 20}
